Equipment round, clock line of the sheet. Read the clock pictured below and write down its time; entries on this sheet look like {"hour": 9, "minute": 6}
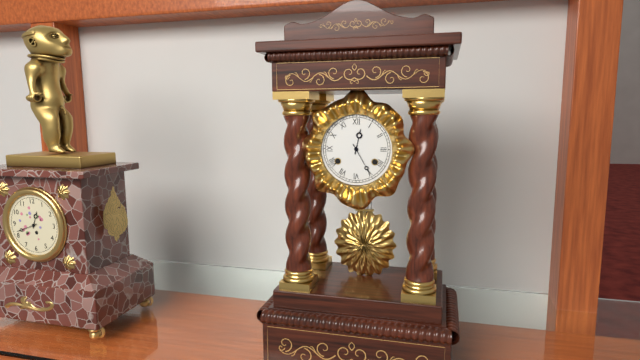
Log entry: {"hour": 12, "minute": 25}
